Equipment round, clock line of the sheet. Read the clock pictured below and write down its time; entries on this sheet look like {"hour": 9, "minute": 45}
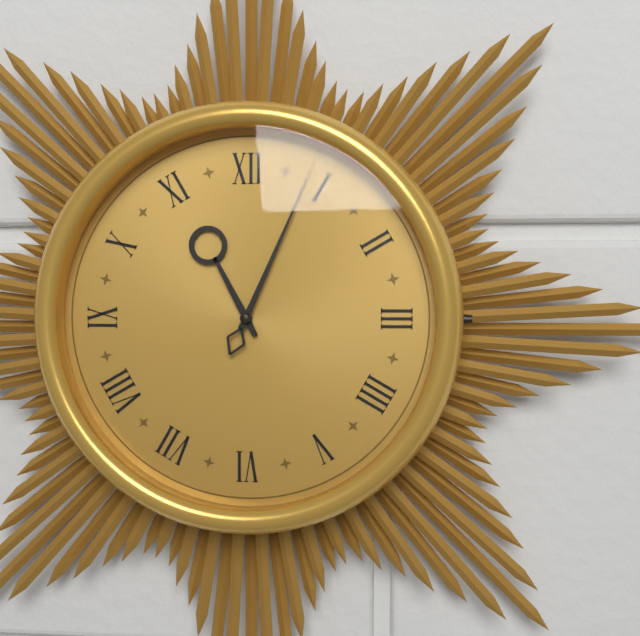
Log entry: {"hour": 11, "minute": 4}
